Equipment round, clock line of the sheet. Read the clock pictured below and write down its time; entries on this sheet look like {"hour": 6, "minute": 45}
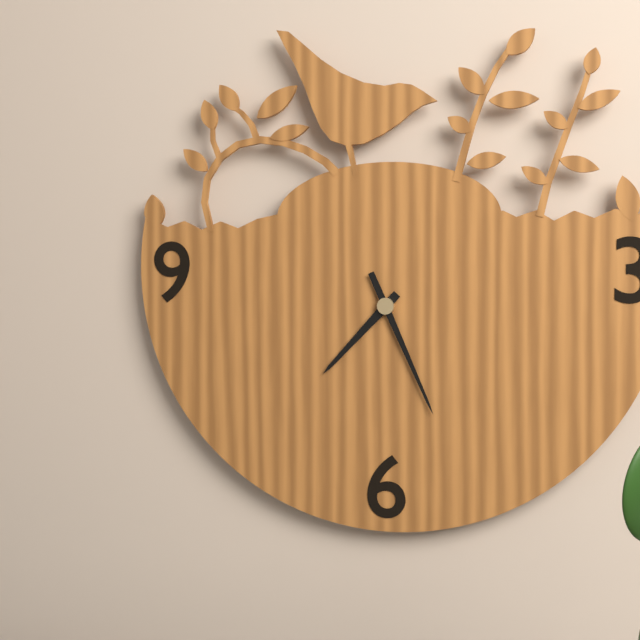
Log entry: {"hour": 7, "minute": 26}
